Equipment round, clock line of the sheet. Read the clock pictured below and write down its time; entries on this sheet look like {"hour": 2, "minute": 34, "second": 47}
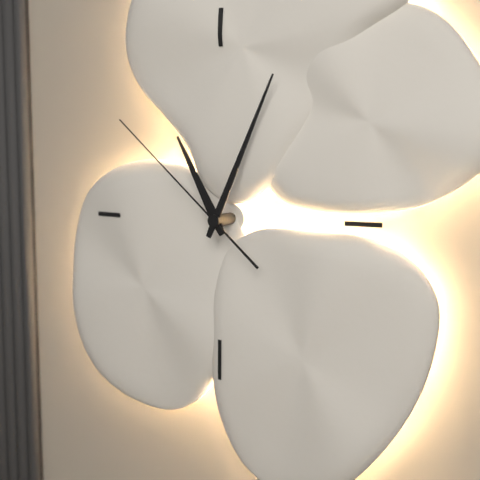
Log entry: {"hour": 11, "minute": 4, "second": 52}
